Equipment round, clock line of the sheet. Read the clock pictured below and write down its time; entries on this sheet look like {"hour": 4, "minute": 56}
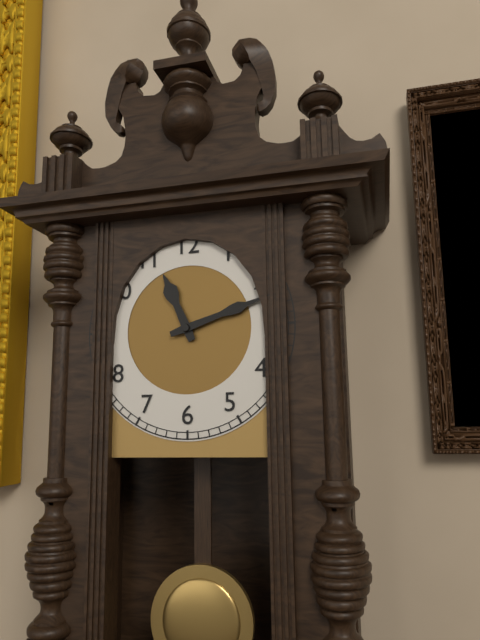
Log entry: {"hour": 11, "minute": 12}
